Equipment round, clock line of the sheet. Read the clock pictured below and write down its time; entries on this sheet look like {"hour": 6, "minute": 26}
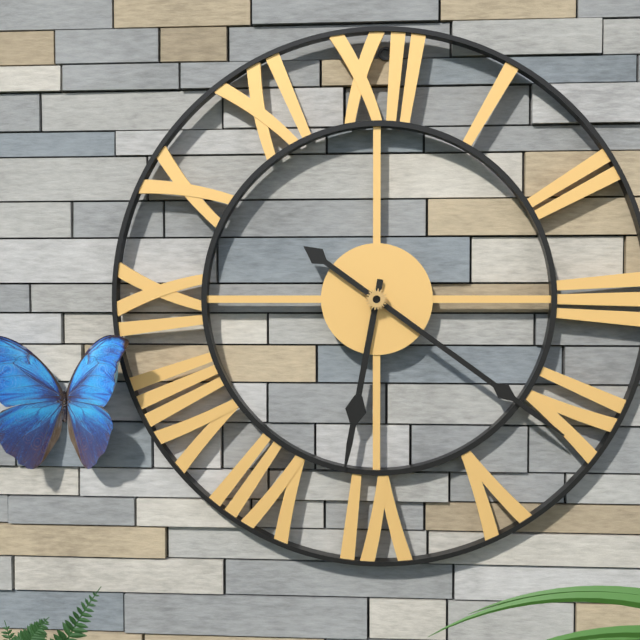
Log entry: {"hour": 6, "minute": 21}
